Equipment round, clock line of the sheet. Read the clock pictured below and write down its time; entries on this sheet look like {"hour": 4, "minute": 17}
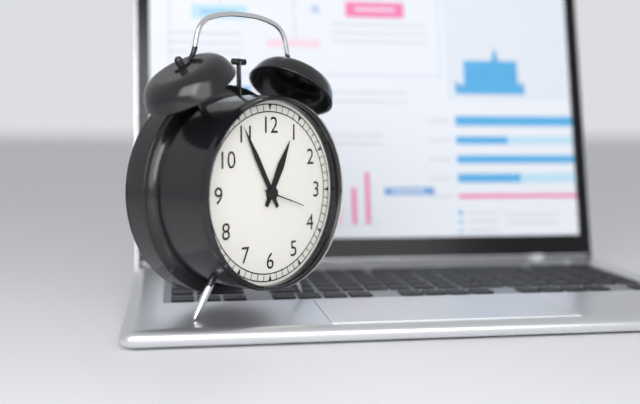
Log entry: {"hour": 12, "minute": 55}
